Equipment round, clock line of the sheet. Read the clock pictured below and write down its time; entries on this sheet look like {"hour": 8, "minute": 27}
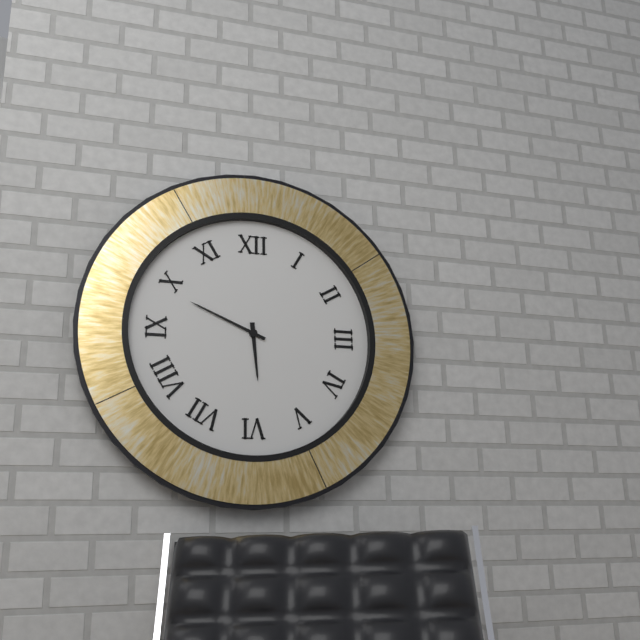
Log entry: {"hour": 5, "minute": 49}
